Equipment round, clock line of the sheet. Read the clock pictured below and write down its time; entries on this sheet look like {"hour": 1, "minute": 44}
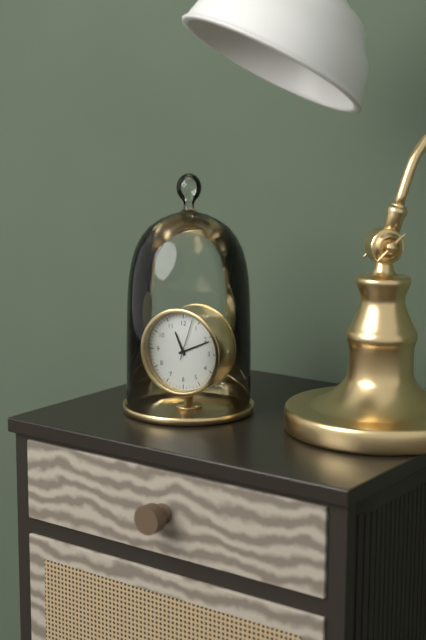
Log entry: {"hour": 11, "minute": 11}
